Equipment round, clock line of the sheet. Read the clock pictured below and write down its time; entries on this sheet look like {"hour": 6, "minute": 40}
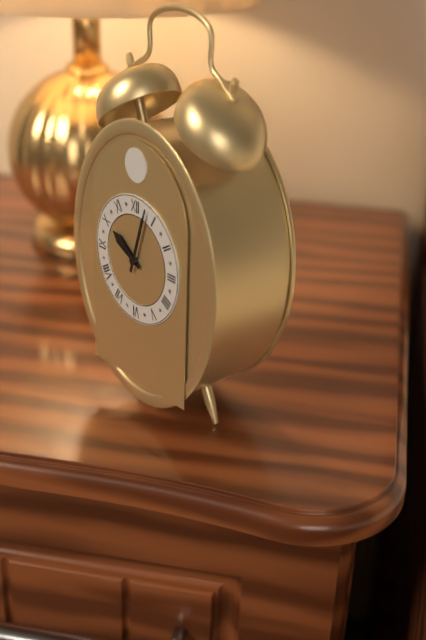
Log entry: {"hour": 10, "minute": 3}
